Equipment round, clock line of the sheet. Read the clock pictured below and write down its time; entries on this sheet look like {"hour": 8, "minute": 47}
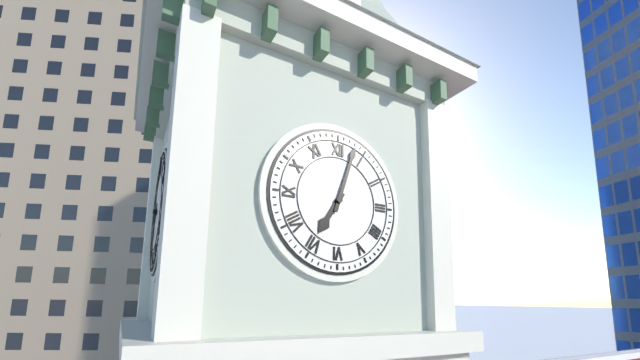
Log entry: {"hour": 7, "minute": 3}
